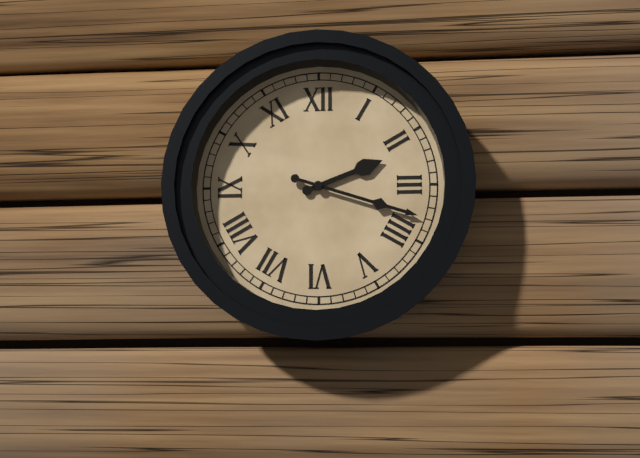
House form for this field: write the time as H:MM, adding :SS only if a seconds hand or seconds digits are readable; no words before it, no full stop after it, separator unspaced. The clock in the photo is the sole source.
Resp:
2:18
